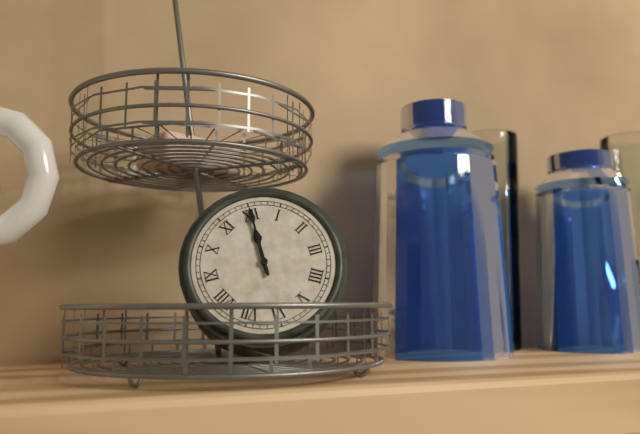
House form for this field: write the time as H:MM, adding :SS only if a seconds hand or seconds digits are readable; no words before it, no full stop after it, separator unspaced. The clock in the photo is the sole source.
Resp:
12:00
